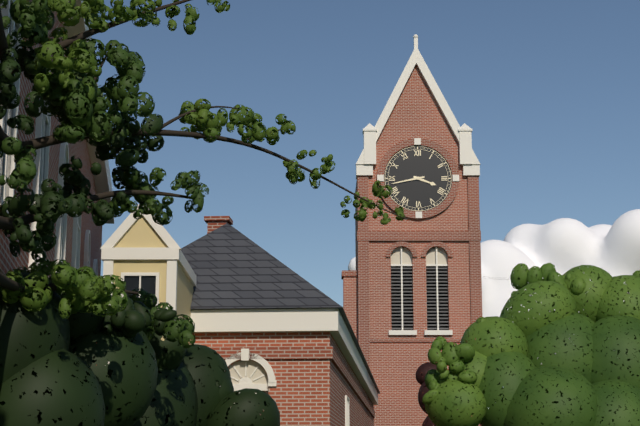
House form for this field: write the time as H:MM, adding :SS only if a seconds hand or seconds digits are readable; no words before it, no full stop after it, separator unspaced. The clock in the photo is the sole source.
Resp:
3:43
